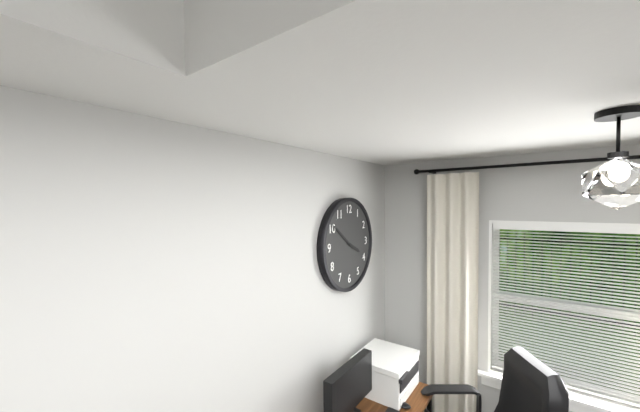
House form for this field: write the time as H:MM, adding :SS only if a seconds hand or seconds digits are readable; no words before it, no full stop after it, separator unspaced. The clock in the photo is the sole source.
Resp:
3:51
